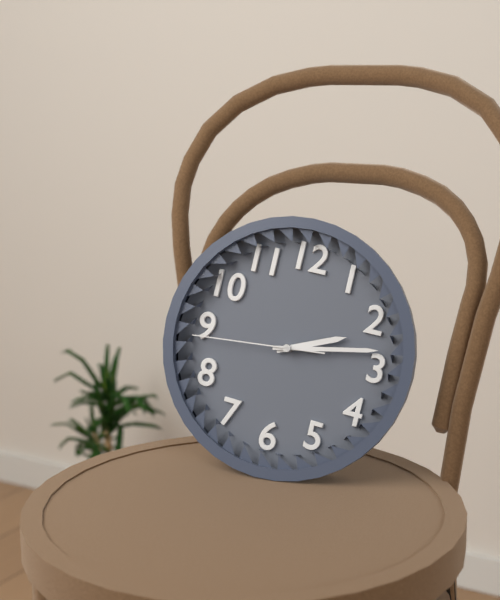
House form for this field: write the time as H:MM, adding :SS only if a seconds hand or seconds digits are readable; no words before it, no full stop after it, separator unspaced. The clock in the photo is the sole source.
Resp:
2:13:44
